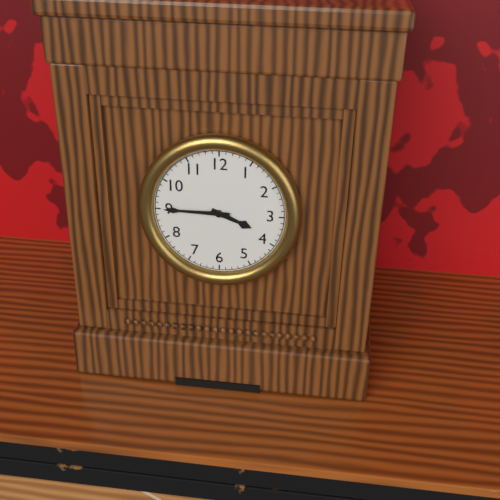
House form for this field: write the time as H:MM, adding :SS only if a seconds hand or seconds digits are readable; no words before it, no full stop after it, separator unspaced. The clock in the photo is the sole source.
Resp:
3:45
